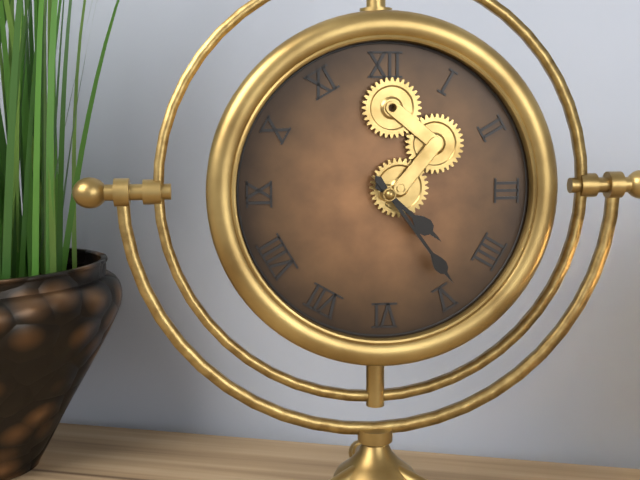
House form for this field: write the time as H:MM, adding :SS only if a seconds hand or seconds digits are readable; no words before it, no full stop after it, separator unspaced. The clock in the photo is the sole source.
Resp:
4:24
